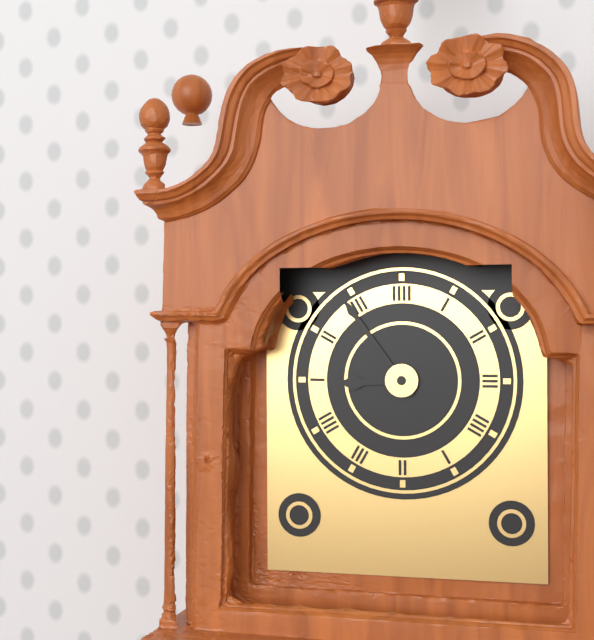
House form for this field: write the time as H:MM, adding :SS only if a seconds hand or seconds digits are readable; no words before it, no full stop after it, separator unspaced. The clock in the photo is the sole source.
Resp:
8:54
